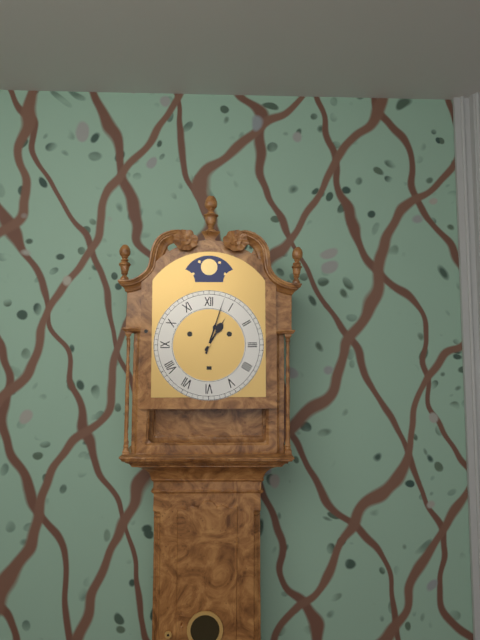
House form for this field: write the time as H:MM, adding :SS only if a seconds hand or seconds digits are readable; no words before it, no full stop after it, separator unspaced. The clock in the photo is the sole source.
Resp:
1:03
